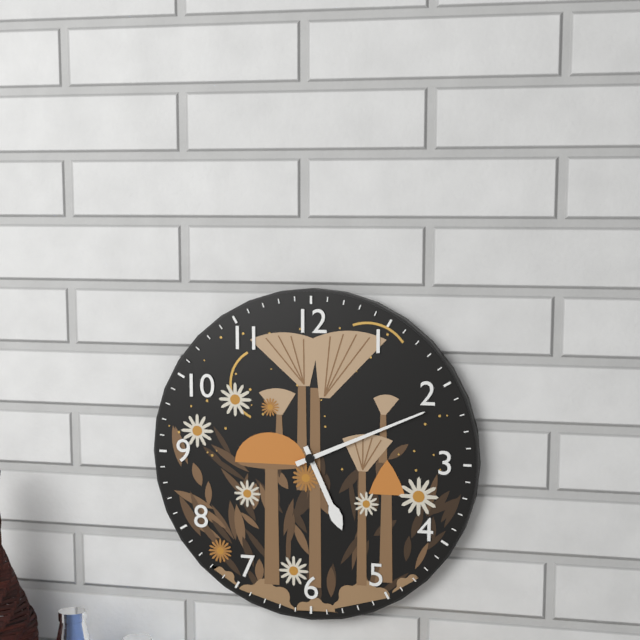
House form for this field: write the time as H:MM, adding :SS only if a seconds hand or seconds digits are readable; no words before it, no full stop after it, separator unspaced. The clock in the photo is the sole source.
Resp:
5:11
